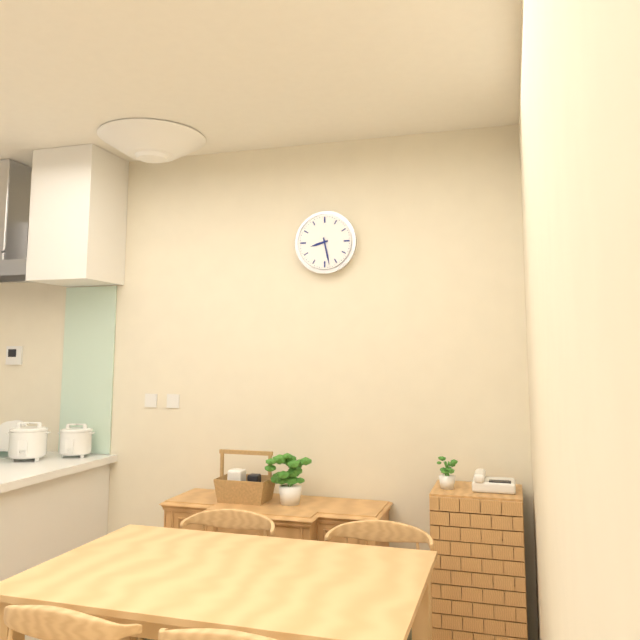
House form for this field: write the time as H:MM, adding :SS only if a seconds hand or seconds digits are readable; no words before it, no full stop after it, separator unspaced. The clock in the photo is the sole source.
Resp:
8:28
